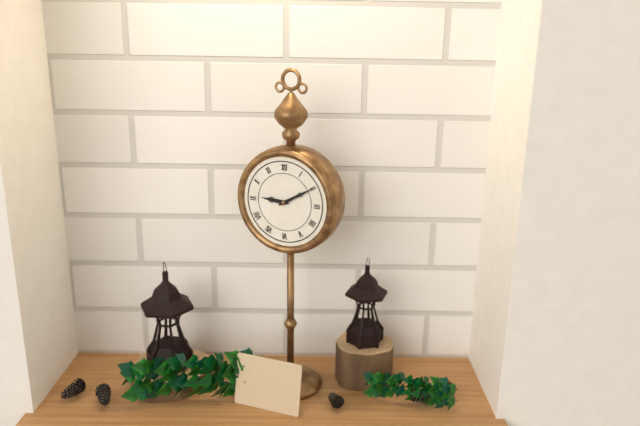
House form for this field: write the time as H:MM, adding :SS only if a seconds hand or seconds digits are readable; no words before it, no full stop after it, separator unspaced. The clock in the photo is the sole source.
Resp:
9:10
